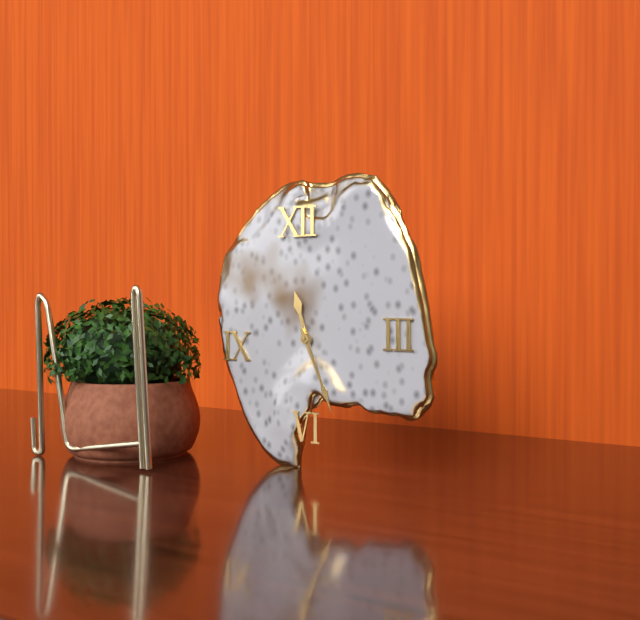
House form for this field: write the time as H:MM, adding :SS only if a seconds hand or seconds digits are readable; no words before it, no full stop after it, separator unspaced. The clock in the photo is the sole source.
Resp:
11:26
